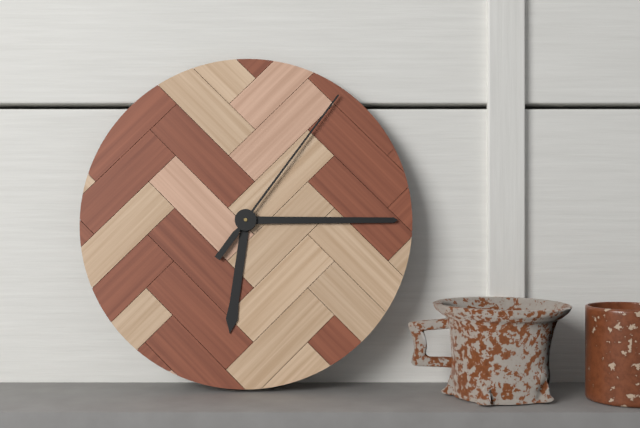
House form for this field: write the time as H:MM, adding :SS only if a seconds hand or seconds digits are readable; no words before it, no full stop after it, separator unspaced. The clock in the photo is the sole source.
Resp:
6:15:06
